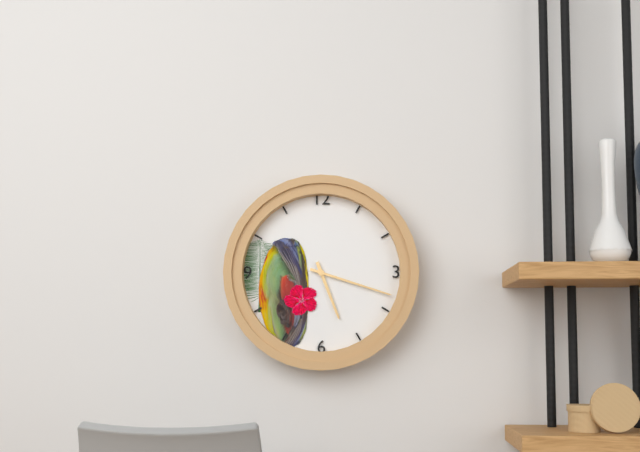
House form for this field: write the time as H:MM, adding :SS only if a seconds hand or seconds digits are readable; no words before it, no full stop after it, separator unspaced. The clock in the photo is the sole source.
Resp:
5:18
